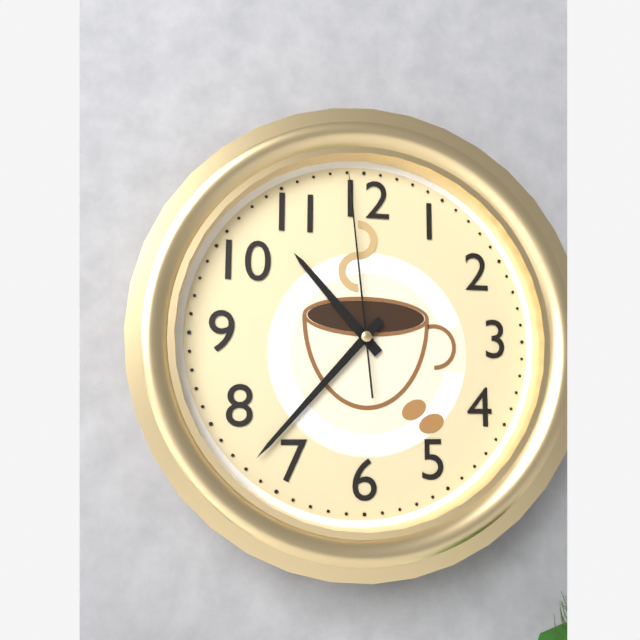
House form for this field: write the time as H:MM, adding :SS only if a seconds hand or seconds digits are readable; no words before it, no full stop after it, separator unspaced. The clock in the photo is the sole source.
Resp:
10:37:59
